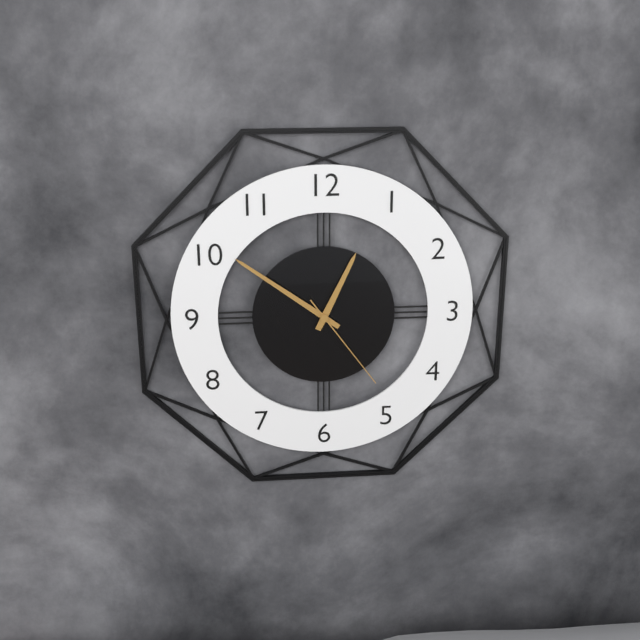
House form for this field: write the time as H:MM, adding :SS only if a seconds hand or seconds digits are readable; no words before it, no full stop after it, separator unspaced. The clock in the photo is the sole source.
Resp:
12:51:24
